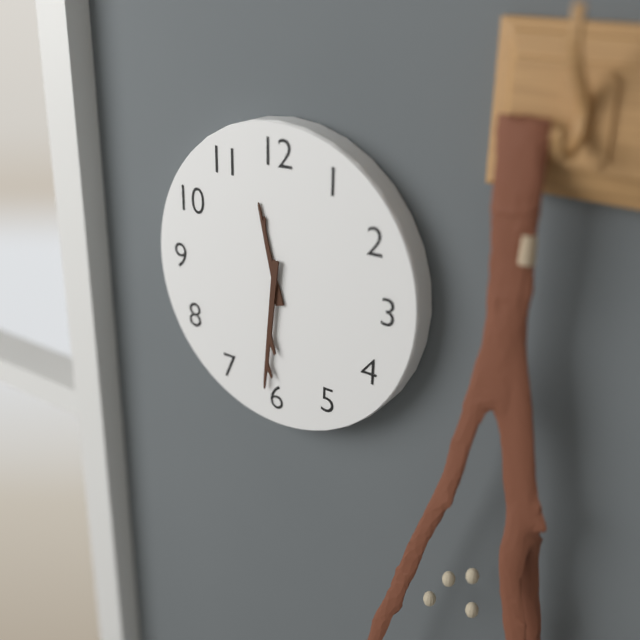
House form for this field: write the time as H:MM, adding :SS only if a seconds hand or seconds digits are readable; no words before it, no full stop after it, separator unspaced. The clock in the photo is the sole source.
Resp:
11:31
